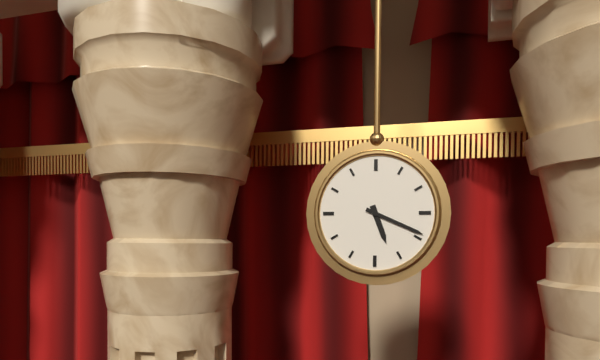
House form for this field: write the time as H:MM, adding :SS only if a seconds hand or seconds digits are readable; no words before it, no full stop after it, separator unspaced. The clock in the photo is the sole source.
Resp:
5:19
